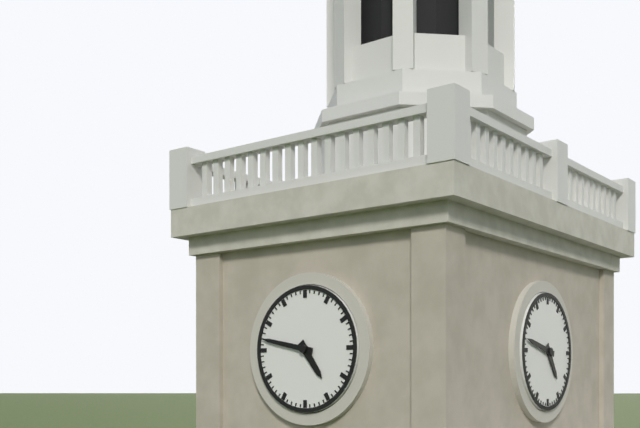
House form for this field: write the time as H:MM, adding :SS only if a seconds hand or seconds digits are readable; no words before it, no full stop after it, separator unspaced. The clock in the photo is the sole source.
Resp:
4:47
